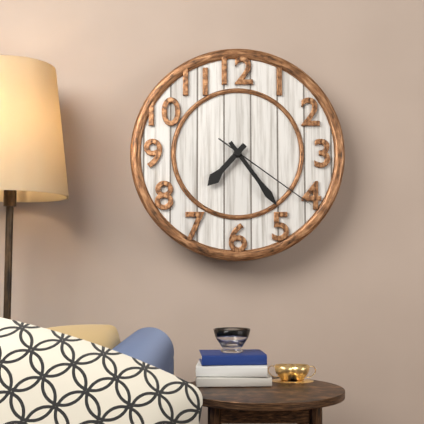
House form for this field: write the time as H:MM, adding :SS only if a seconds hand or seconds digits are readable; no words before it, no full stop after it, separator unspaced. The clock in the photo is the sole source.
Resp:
7:24:21
